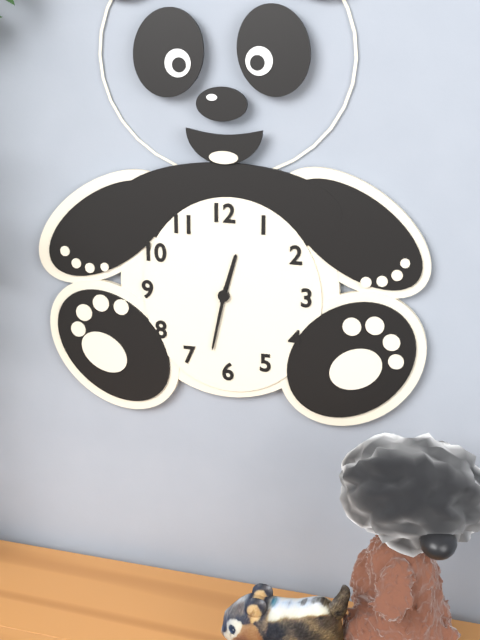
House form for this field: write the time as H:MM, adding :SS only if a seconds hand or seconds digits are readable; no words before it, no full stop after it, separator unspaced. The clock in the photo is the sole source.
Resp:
12:32
